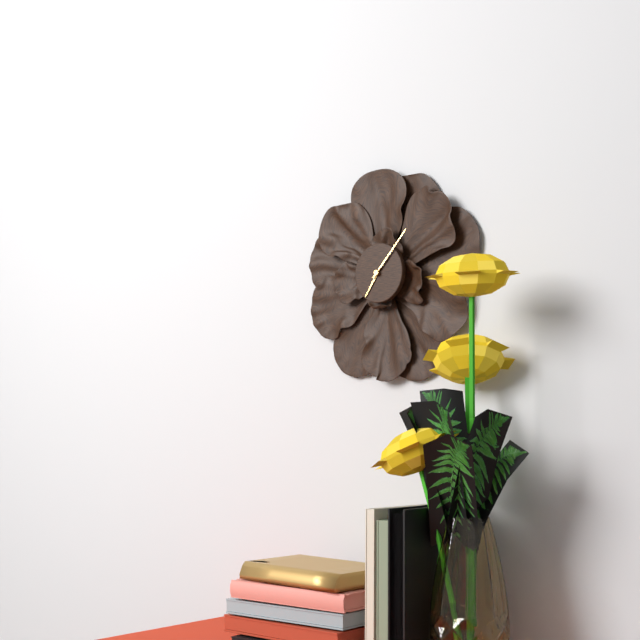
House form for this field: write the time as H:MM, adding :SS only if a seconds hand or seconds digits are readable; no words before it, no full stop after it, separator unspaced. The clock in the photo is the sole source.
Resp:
7:07
